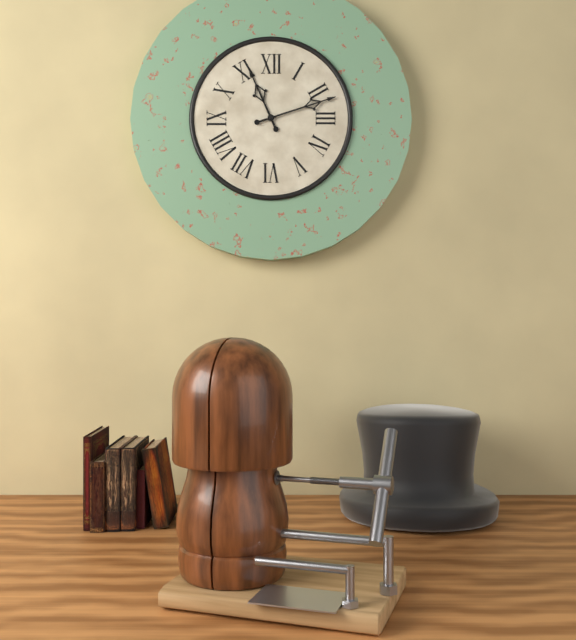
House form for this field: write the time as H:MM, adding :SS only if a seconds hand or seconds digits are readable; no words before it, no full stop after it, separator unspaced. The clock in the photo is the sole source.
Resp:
11:12
